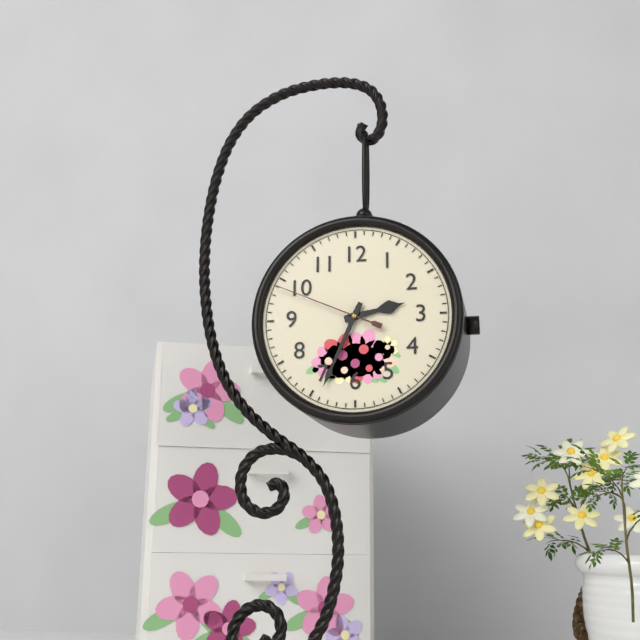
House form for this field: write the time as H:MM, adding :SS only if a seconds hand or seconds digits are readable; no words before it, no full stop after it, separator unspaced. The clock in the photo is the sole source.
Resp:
2:34:49
